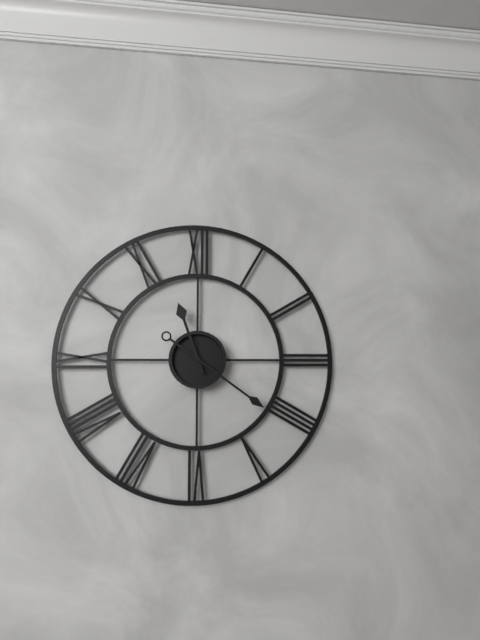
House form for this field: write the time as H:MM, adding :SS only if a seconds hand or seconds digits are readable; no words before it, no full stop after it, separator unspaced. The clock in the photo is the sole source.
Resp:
11:21
